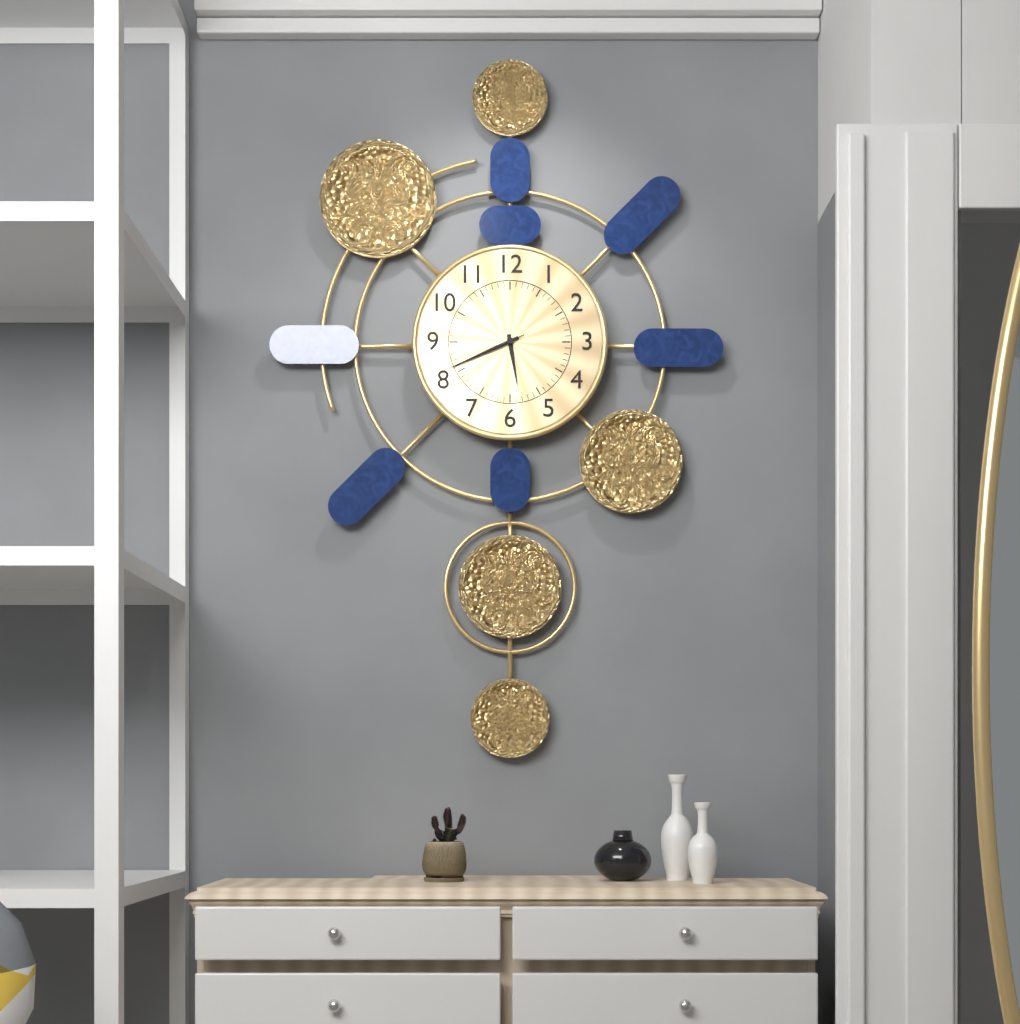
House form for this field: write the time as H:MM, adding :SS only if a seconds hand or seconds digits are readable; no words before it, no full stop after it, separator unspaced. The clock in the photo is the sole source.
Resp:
5:41:41
